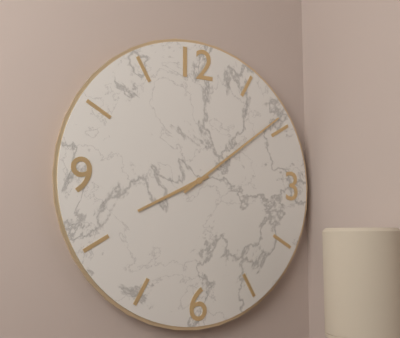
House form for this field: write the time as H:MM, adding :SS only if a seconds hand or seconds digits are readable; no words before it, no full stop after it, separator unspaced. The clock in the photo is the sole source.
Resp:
8:09
